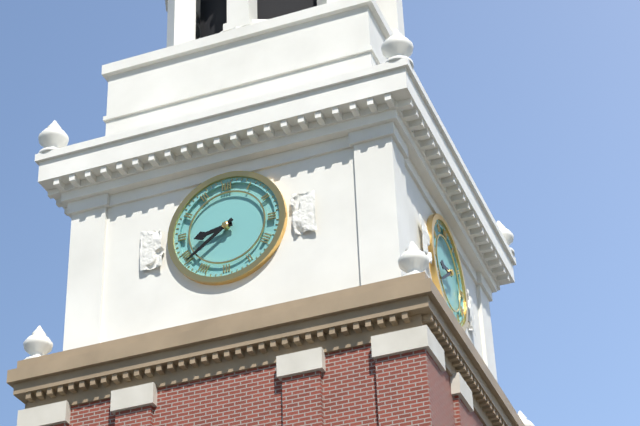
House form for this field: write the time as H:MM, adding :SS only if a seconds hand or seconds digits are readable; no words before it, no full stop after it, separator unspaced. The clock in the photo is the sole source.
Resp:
8:39
